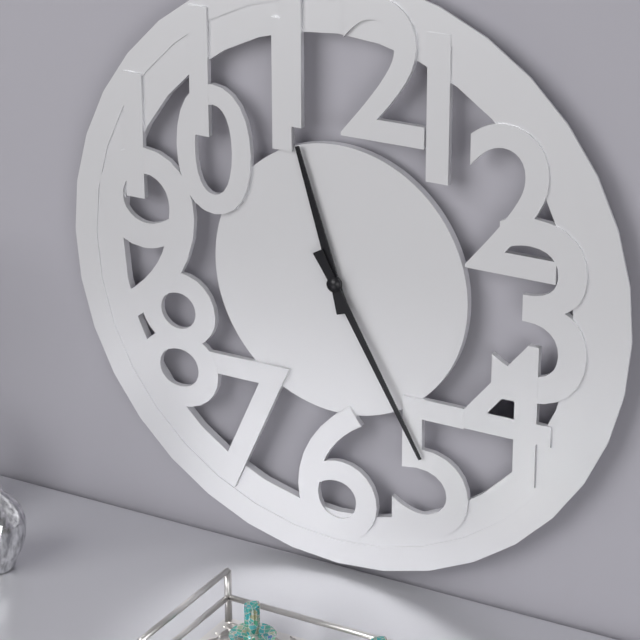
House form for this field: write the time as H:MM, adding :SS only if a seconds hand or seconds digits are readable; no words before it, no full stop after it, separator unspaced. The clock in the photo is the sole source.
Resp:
11:25
